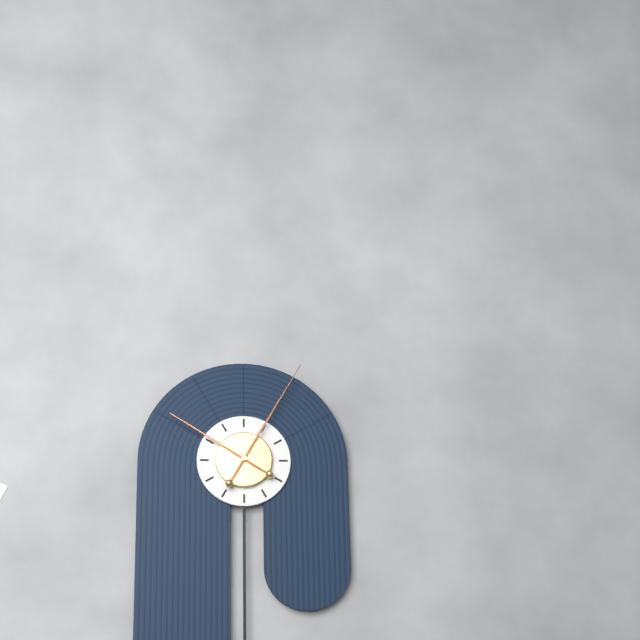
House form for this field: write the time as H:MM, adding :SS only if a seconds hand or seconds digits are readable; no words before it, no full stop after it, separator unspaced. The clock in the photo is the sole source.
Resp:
10:05
